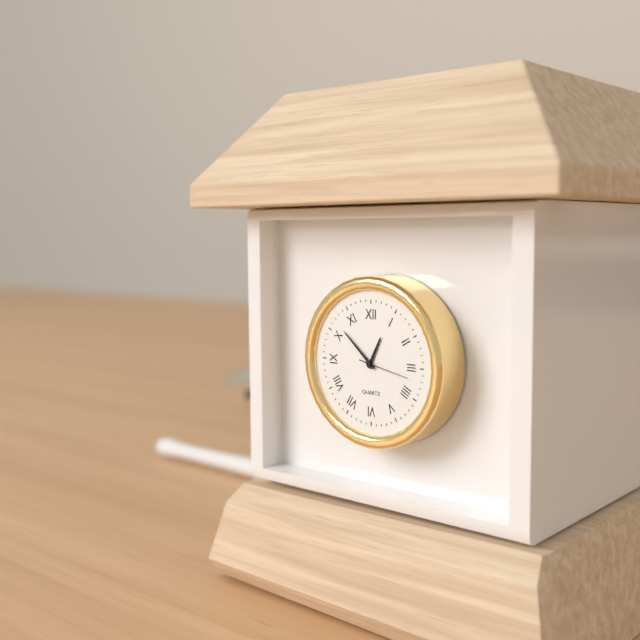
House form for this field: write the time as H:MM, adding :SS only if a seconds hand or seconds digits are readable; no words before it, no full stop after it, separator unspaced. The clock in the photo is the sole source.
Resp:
12:52:17
